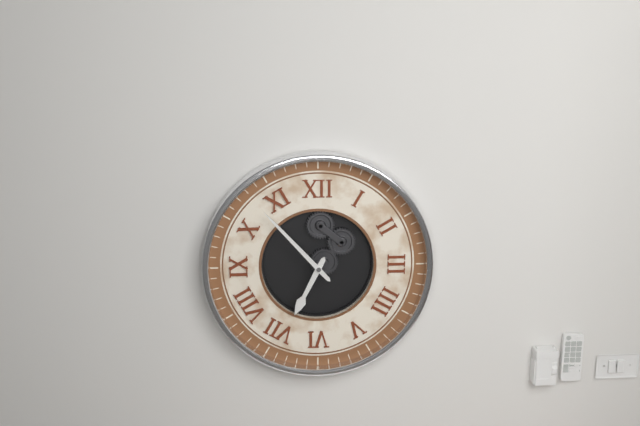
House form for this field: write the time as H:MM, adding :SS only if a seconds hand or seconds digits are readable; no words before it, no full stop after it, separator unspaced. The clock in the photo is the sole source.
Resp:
6:53
